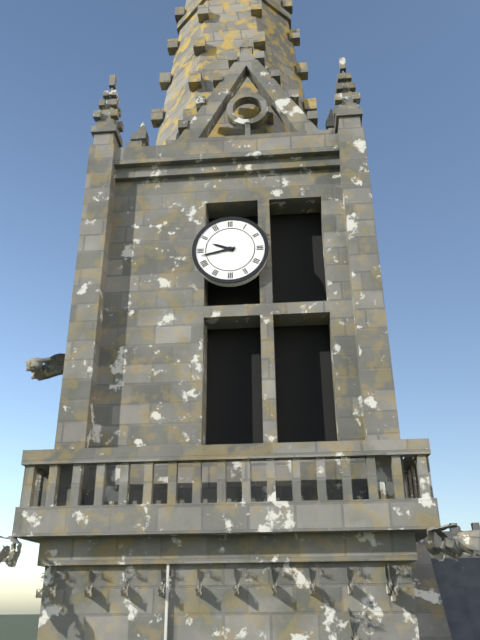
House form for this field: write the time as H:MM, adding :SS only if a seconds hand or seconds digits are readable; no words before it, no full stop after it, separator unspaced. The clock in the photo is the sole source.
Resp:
9:43
